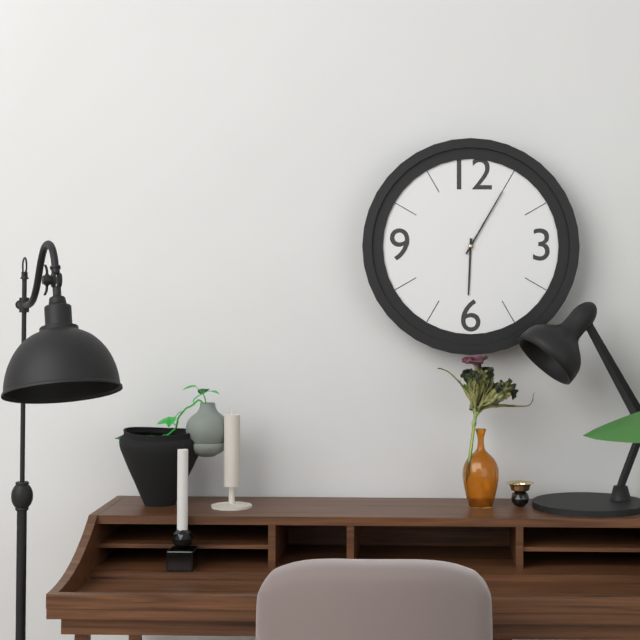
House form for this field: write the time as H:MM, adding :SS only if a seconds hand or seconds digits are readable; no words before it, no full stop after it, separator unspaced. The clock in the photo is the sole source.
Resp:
6:05
